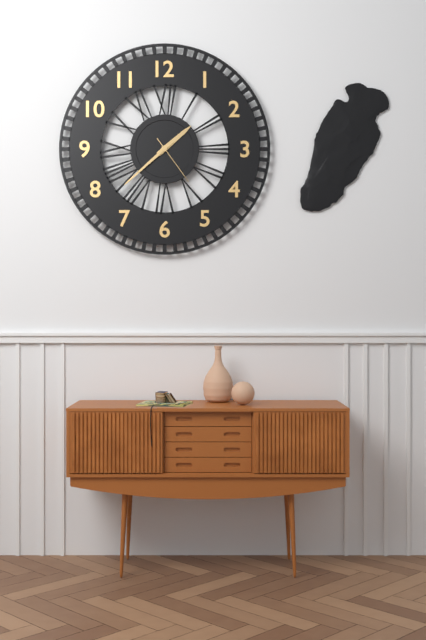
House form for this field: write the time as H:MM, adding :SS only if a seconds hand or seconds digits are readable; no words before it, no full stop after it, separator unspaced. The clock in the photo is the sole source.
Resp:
1:38:24
